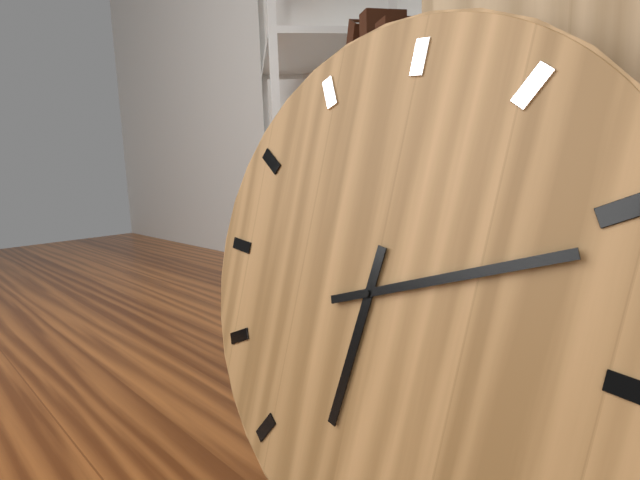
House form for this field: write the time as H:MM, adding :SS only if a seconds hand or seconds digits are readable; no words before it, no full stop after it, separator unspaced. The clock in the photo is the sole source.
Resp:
6:11
